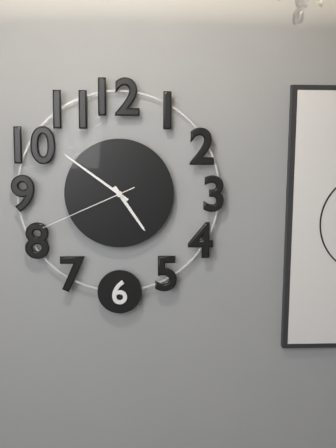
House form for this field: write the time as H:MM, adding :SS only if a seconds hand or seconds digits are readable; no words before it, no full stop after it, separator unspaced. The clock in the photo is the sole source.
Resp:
4:51:41
